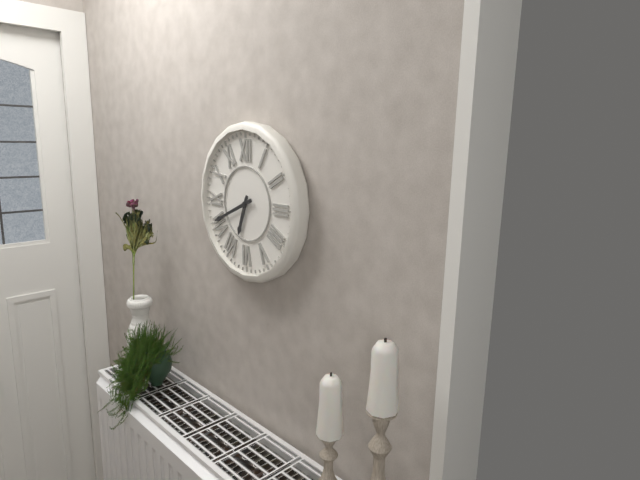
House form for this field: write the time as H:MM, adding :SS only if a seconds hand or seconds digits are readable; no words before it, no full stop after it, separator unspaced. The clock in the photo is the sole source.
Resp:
6:41
